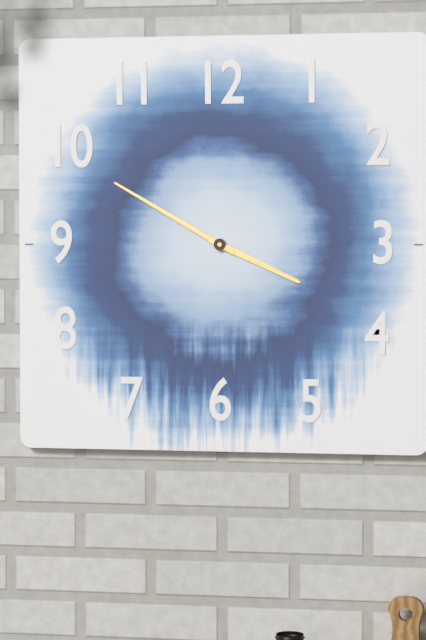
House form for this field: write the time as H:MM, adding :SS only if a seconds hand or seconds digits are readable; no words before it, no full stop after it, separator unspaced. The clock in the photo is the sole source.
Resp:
3:50
